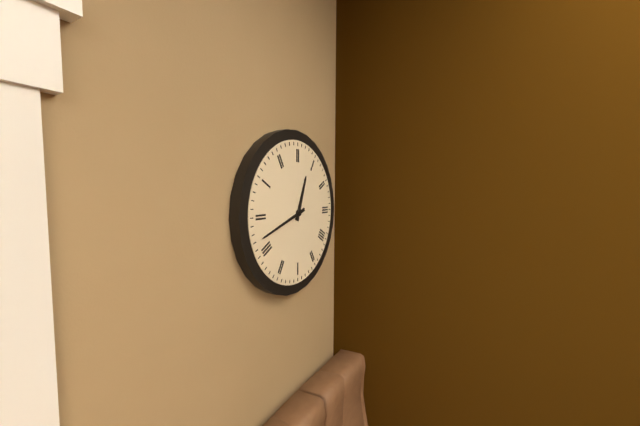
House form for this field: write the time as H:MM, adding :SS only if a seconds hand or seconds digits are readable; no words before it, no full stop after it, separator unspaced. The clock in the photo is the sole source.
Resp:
12:42
